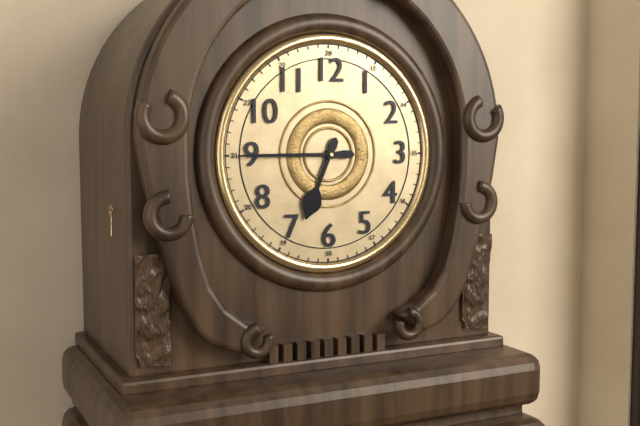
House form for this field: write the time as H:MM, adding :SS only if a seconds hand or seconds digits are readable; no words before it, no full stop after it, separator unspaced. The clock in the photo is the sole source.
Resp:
6:45
